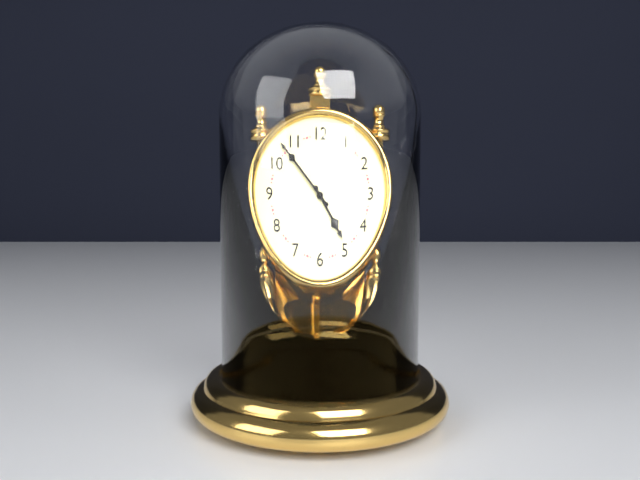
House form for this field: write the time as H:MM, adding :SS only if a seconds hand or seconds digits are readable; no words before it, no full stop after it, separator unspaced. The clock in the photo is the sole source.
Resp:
4:53
